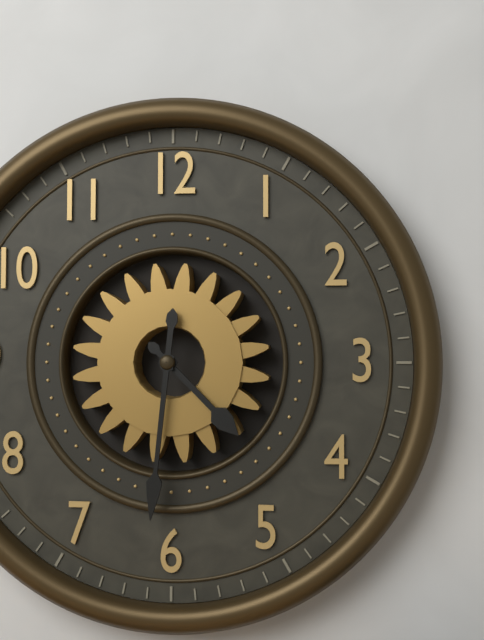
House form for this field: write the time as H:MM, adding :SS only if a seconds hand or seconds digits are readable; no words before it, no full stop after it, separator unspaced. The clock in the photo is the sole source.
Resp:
4:31
